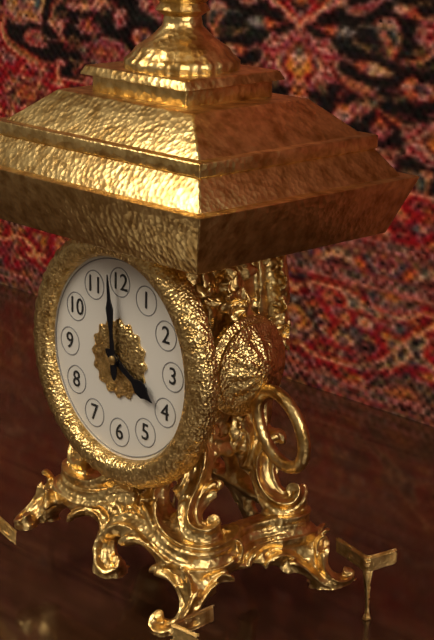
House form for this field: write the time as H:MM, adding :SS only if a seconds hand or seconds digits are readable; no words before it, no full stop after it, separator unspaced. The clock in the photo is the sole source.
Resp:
3:59
